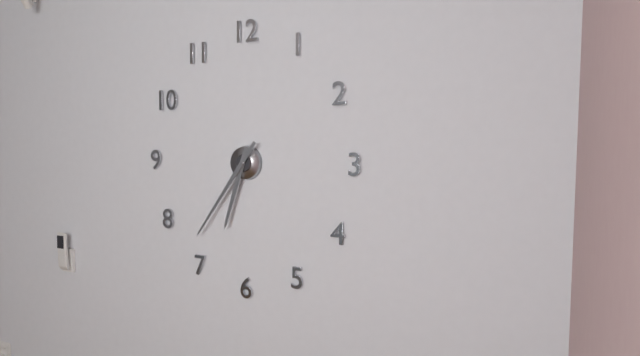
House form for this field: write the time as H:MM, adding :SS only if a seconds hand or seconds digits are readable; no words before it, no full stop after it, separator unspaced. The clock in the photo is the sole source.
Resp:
6:36
